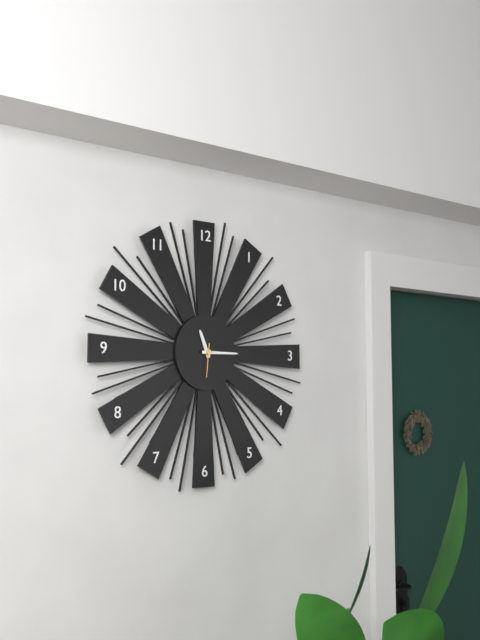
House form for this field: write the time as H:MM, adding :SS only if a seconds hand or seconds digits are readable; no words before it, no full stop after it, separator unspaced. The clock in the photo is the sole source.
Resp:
11:15
